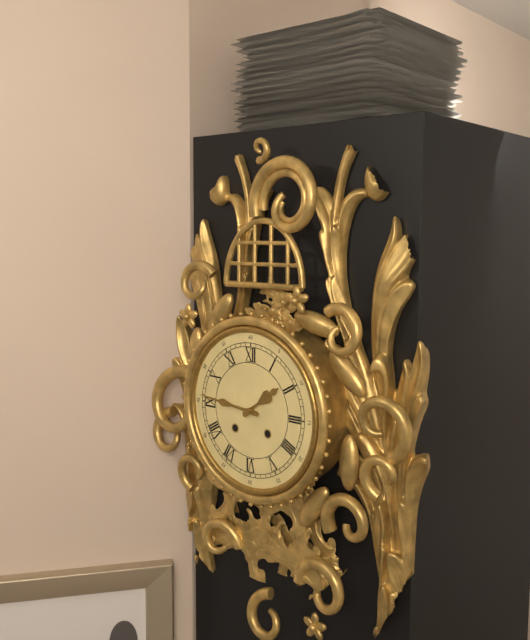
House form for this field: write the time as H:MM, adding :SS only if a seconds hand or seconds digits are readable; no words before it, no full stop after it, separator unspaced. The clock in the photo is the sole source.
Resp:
1:46
